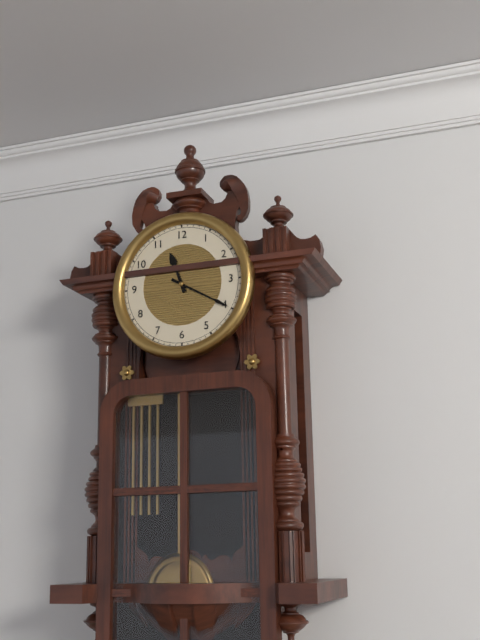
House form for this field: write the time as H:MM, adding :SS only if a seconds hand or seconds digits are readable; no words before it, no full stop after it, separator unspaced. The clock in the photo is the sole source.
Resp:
11:20
